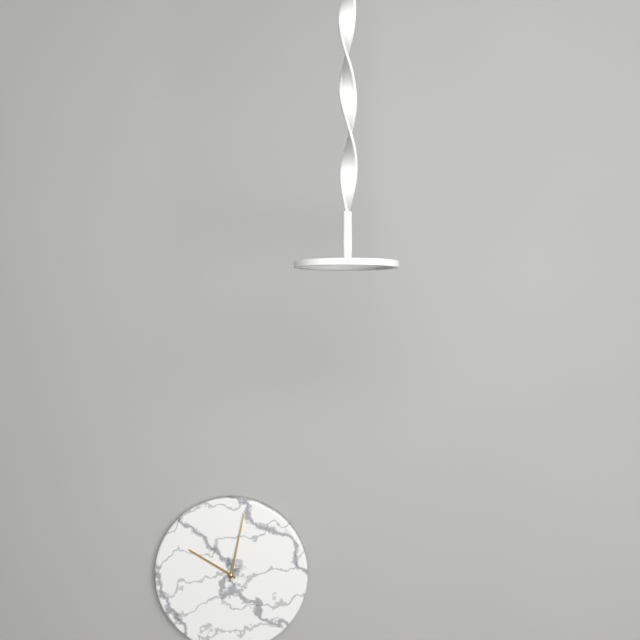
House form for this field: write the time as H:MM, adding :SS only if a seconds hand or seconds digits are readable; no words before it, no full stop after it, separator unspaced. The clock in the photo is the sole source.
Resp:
10:02
